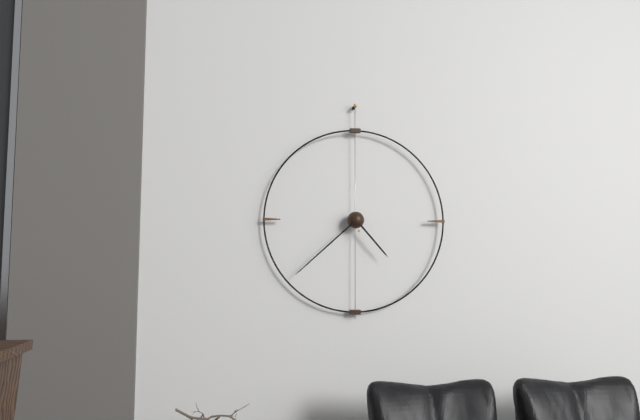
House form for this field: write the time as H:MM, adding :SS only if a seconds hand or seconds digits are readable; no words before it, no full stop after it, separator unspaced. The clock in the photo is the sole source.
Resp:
4:38
